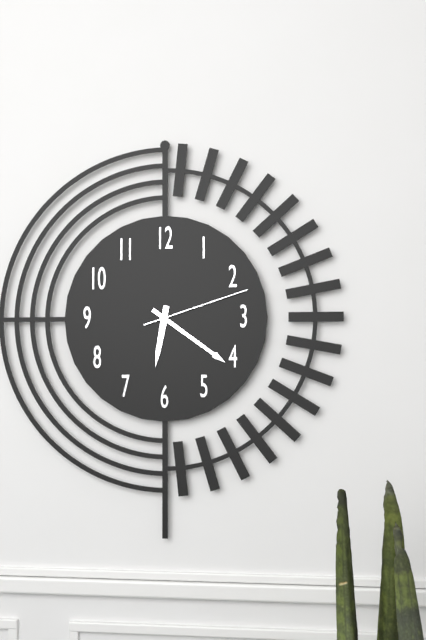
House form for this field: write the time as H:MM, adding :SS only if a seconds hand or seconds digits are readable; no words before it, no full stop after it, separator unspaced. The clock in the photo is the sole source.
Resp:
6:21:12
